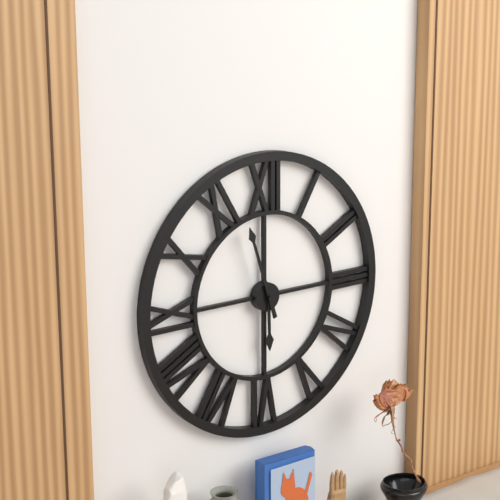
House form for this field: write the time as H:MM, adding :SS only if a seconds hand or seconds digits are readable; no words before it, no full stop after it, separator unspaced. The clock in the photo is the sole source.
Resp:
5:57
